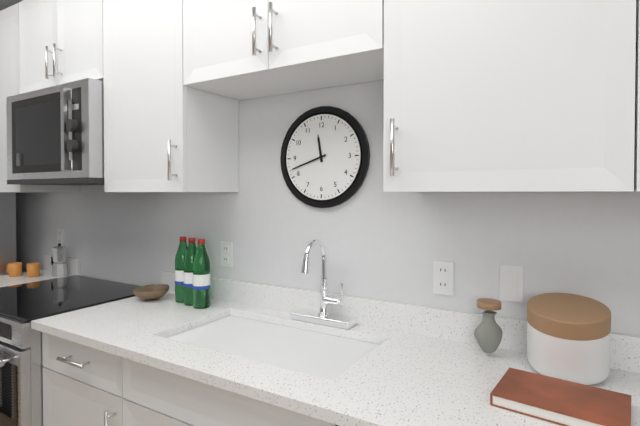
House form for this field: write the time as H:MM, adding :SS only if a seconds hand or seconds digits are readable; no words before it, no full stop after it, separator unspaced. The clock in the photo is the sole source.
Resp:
11:42
